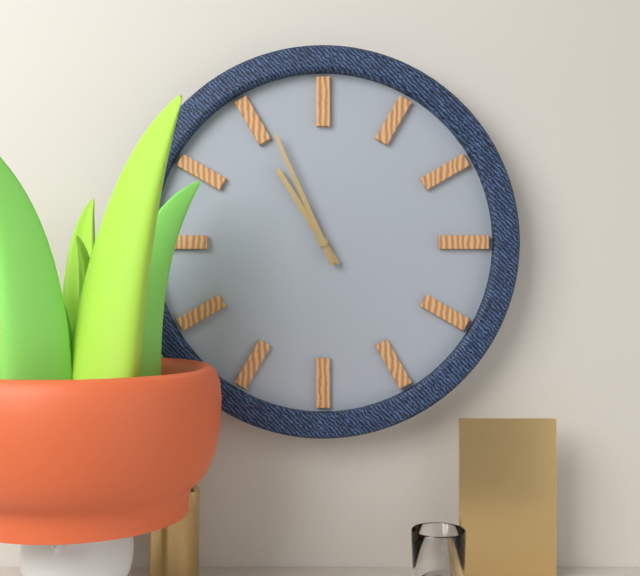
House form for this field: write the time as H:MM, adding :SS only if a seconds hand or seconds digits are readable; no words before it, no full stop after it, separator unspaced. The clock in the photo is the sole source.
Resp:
10:56
